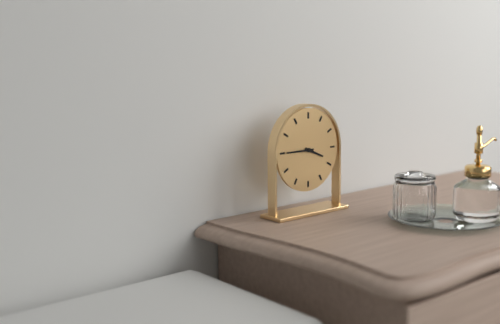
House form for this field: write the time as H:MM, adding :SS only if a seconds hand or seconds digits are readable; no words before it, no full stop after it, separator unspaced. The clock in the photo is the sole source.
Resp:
3:45
